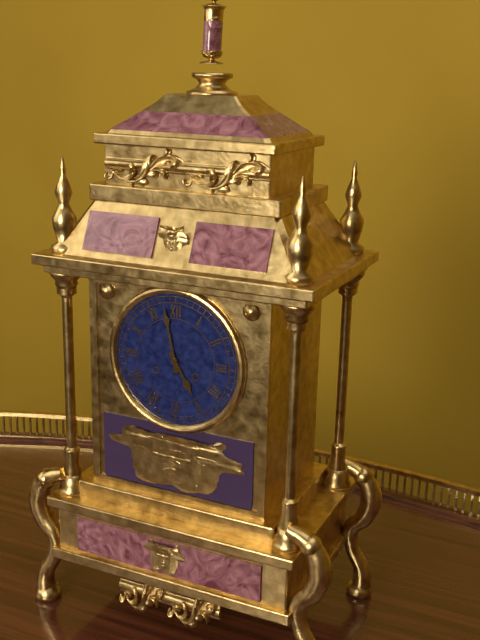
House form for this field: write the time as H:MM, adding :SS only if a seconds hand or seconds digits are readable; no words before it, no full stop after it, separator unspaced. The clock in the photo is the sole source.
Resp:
4:58
